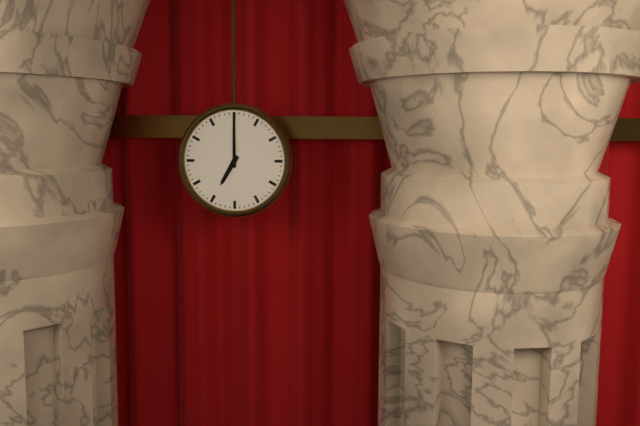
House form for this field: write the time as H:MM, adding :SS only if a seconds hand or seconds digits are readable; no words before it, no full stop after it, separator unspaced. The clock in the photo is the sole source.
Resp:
7:00
